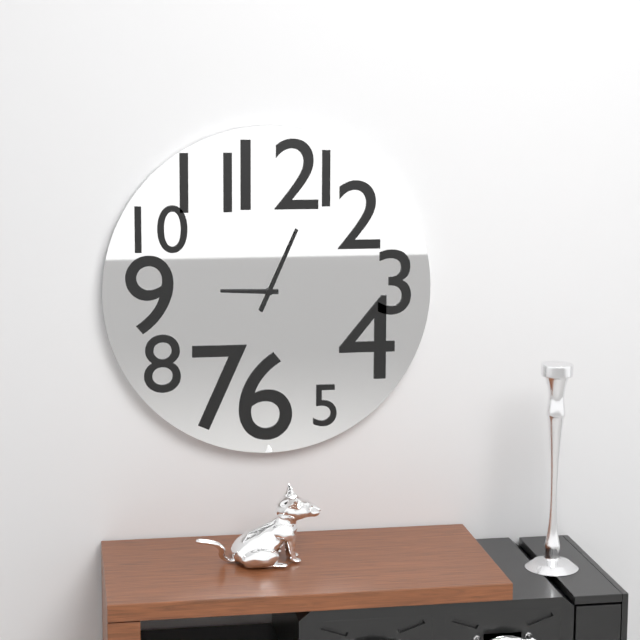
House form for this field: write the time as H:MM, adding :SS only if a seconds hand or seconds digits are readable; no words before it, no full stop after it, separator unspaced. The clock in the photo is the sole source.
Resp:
9:04
